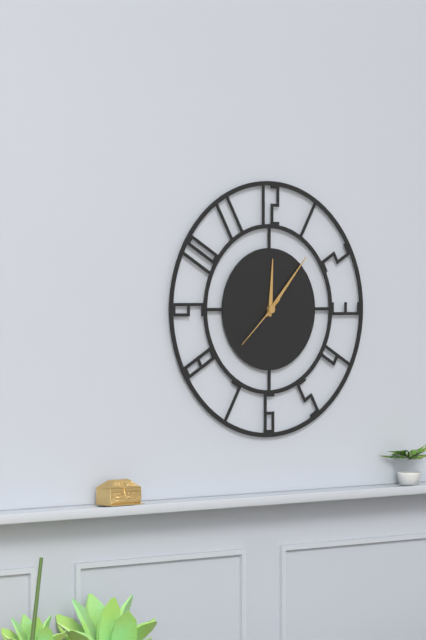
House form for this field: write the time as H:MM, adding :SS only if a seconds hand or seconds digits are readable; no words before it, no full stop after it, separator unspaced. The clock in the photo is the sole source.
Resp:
12:07:38
